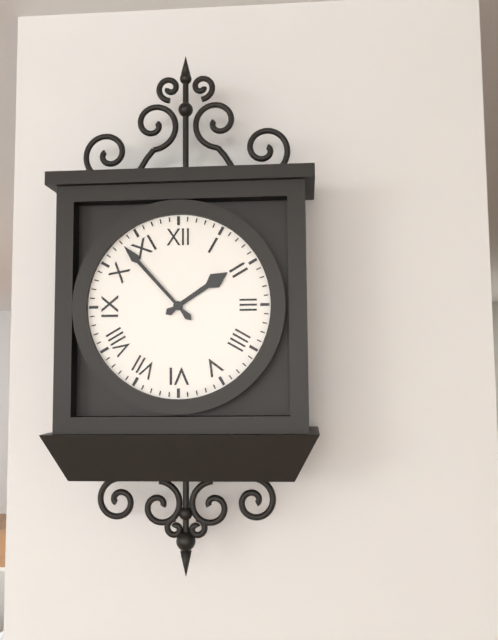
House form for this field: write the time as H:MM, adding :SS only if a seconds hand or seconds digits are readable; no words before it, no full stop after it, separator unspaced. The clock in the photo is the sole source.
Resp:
1:53
